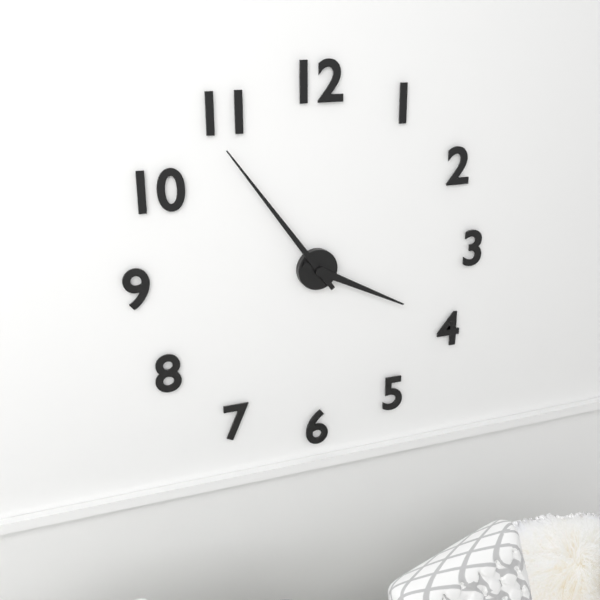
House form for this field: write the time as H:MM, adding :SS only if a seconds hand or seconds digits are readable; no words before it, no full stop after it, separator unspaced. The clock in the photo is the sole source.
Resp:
3:54
